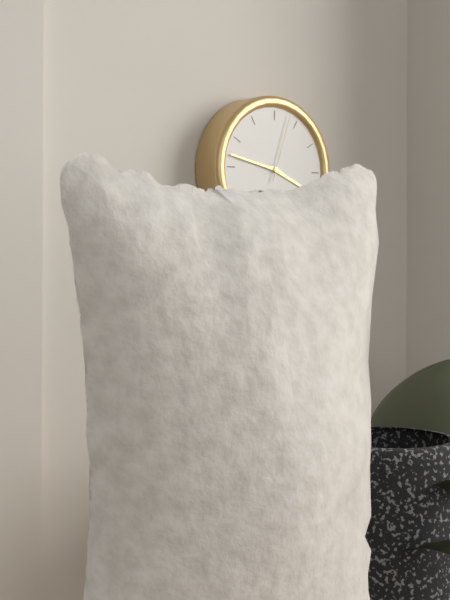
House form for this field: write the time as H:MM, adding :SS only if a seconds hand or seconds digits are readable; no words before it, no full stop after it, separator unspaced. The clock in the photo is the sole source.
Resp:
3:47:03
